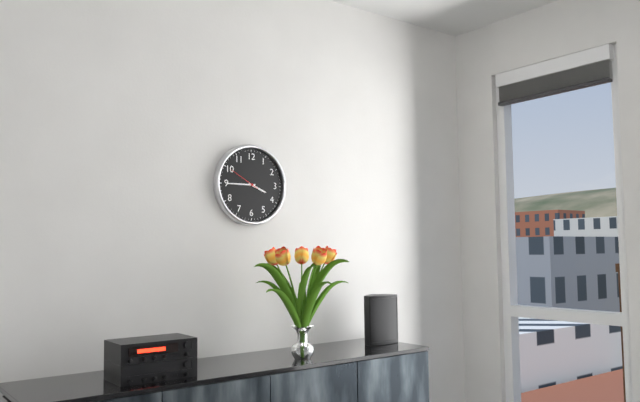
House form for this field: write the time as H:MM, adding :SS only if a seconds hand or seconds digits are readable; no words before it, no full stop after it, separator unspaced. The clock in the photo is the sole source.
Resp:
3:45
